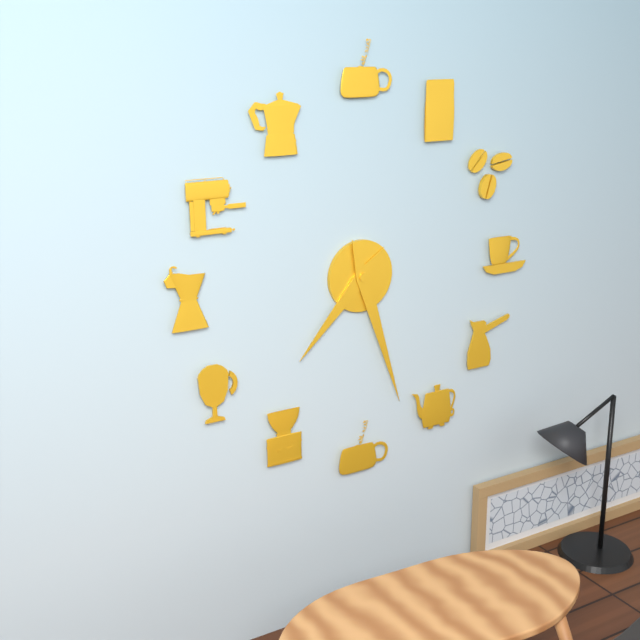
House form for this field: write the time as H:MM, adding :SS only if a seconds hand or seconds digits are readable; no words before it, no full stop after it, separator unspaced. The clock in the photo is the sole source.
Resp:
7:27
